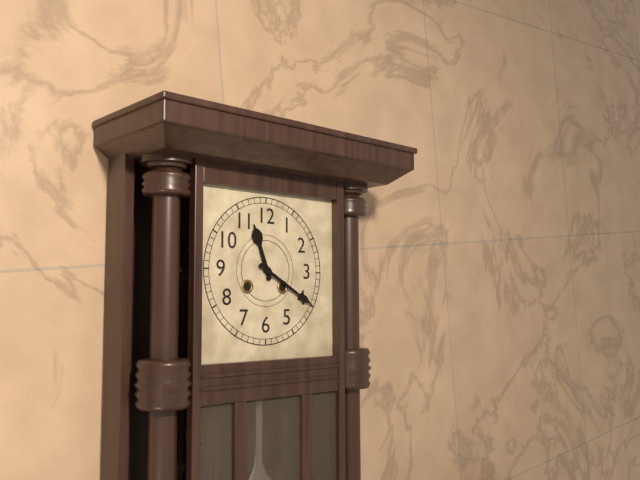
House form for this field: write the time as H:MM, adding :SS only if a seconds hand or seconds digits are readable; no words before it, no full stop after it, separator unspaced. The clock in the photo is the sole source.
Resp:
11:20
